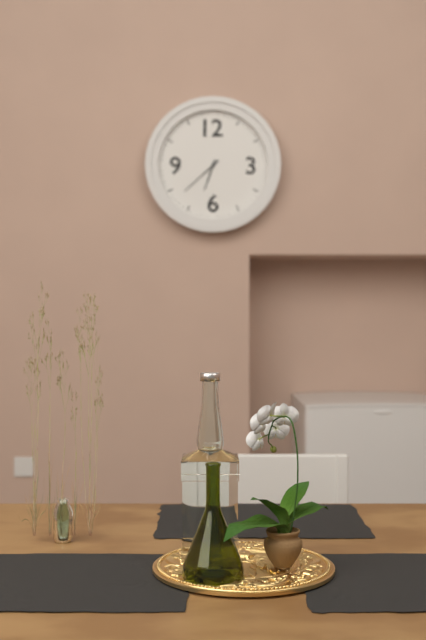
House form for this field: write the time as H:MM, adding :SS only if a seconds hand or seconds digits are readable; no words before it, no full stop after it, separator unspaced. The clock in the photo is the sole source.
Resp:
6:38
